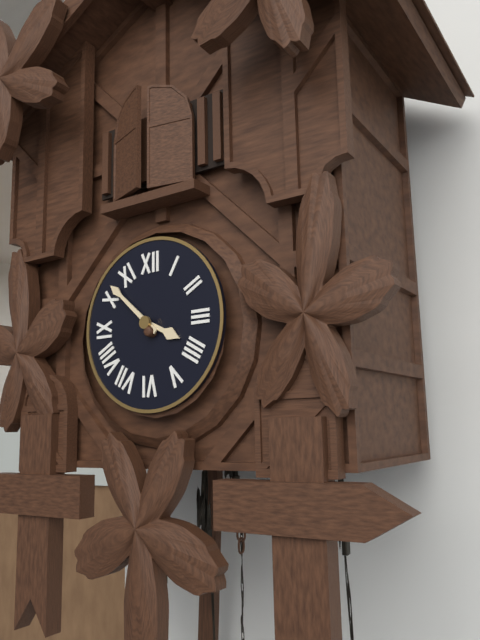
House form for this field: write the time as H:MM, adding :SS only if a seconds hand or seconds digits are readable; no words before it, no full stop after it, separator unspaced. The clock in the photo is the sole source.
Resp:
3:52
